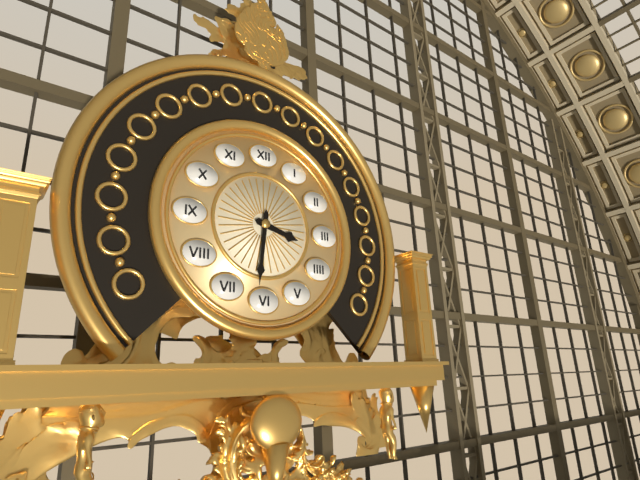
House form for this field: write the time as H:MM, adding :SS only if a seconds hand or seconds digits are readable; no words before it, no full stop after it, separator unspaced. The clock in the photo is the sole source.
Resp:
3:31
